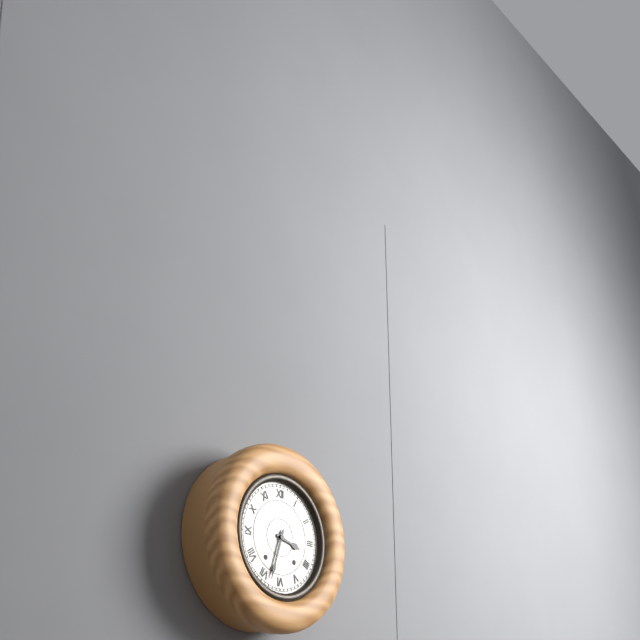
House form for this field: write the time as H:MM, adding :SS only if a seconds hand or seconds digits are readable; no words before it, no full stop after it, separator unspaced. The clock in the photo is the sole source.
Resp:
3:33
